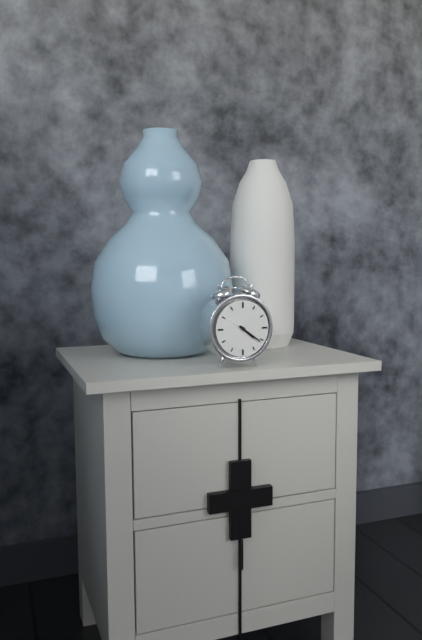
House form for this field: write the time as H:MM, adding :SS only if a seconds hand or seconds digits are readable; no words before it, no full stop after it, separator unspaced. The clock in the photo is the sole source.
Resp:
4:21
